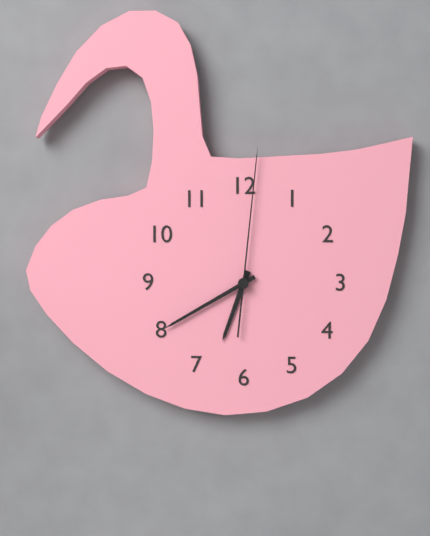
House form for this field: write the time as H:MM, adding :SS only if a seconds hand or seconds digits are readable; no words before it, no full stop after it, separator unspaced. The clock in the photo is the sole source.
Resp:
6:40:01
